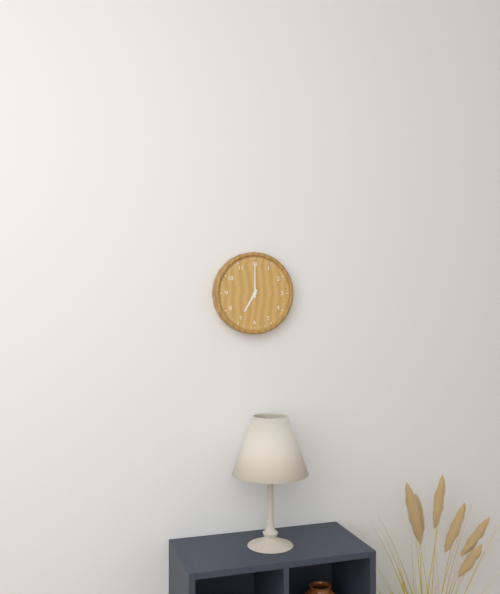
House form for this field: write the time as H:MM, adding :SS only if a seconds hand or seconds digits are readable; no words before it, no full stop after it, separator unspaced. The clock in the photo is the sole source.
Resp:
7:00
